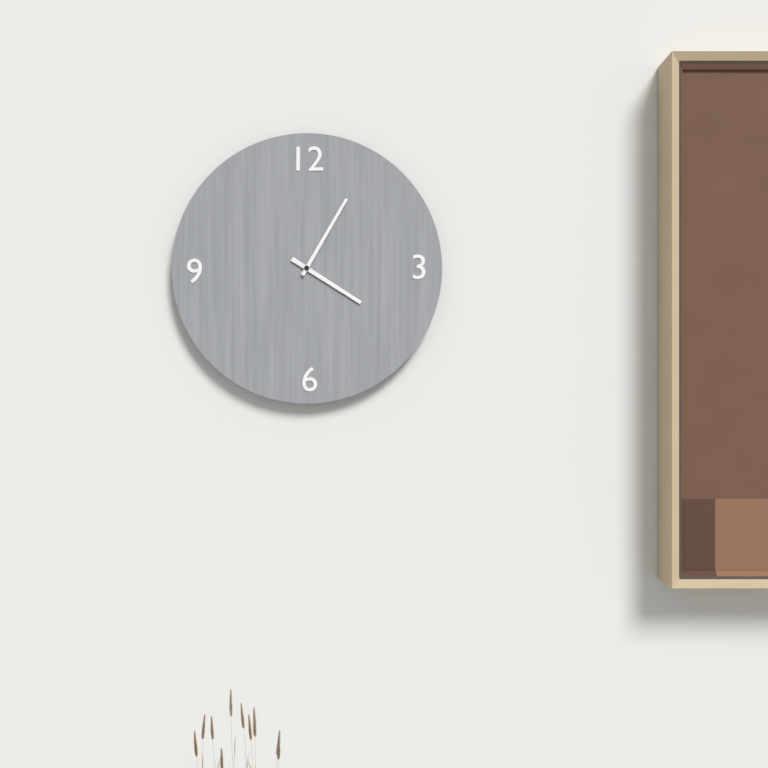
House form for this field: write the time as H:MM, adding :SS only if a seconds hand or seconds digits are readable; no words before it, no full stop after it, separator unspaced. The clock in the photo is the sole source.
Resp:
4:05
